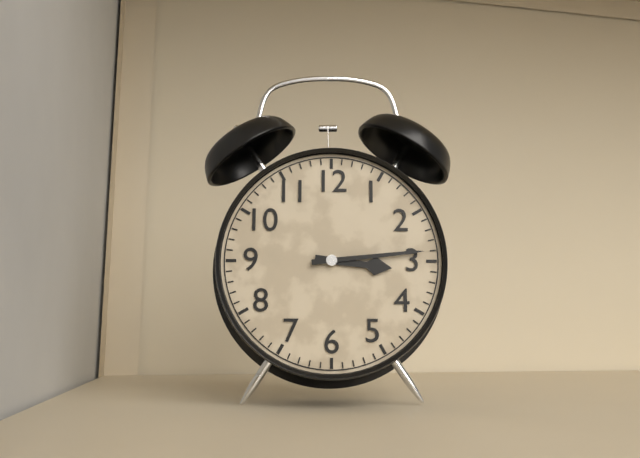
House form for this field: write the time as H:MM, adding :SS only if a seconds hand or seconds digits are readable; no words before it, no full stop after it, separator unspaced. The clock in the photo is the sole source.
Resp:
3:14
